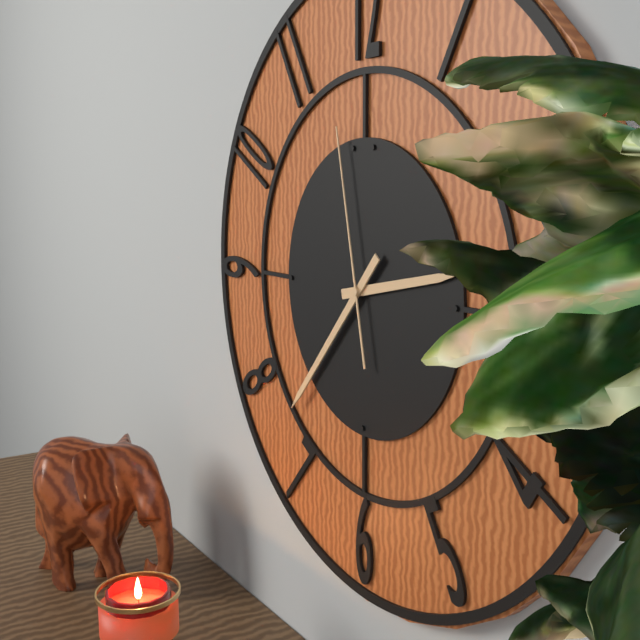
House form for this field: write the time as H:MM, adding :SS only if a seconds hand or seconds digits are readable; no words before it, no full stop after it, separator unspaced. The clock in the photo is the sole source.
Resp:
2:37:58
